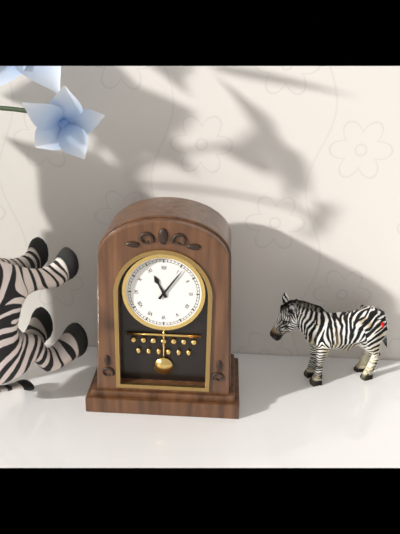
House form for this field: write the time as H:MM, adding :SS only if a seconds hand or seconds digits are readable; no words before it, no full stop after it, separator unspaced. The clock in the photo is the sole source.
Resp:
11:06
